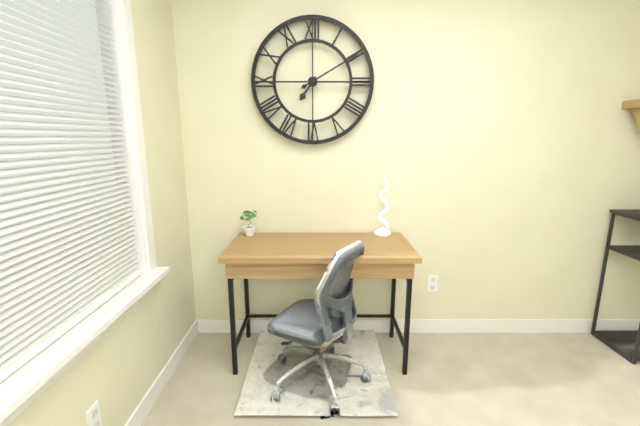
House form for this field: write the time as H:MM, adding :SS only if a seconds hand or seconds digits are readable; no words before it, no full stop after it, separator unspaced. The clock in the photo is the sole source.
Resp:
7:10
